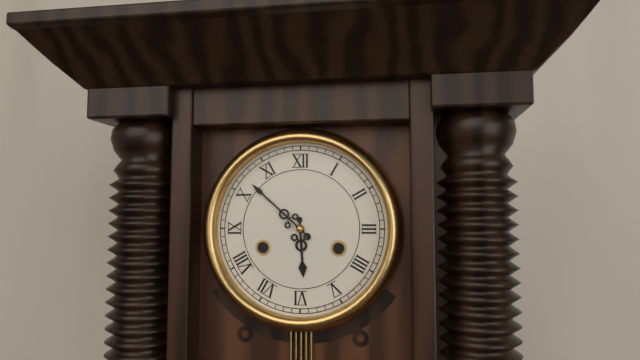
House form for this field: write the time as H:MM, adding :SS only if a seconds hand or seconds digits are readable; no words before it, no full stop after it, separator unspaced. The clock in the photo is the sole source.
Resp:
5:52
